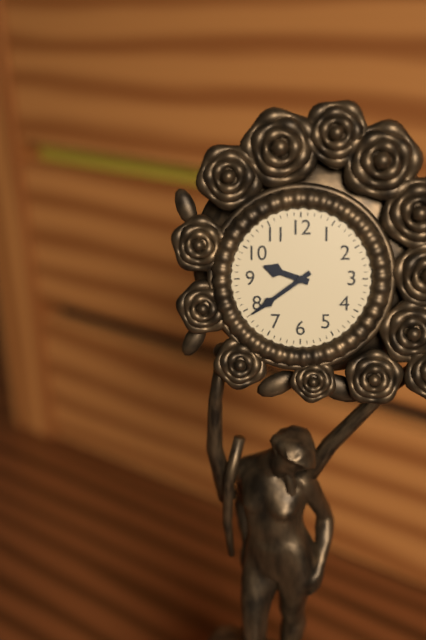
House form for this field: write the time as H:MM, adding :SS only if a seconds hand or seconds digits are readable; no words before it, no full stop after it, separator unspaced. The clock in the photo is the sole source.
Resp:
9:39
